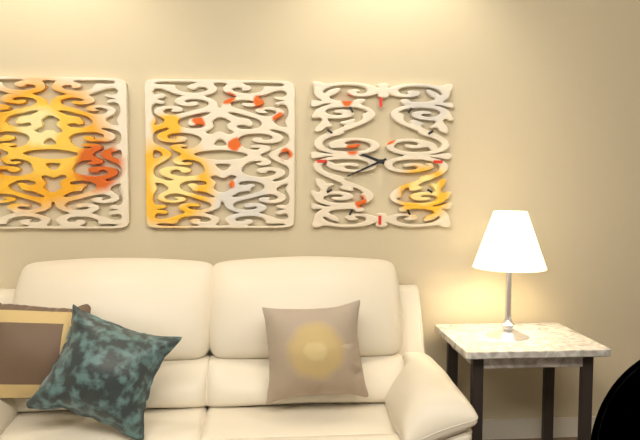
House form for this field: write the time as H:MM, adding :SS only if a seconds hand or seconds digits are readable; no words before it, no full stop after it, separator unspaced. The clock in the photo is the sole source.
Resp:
9:41
